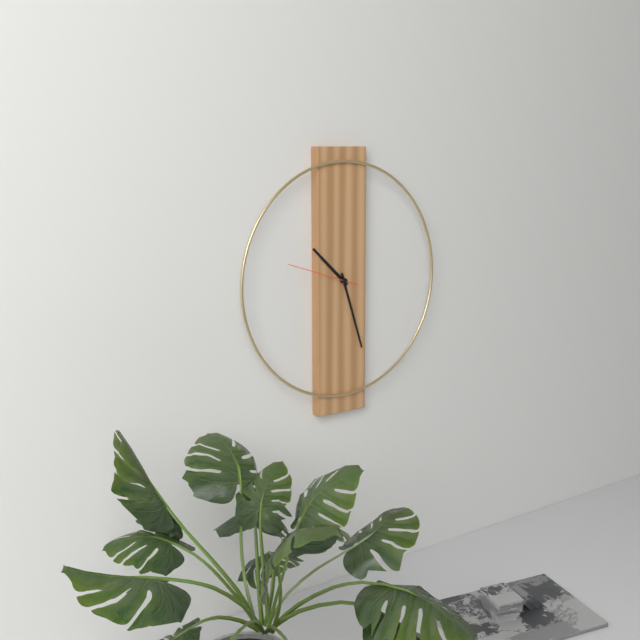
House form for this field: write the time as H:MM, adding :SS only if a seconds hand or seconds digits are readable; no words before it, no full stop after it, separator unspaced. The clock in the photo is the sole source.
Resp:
10:27:48
